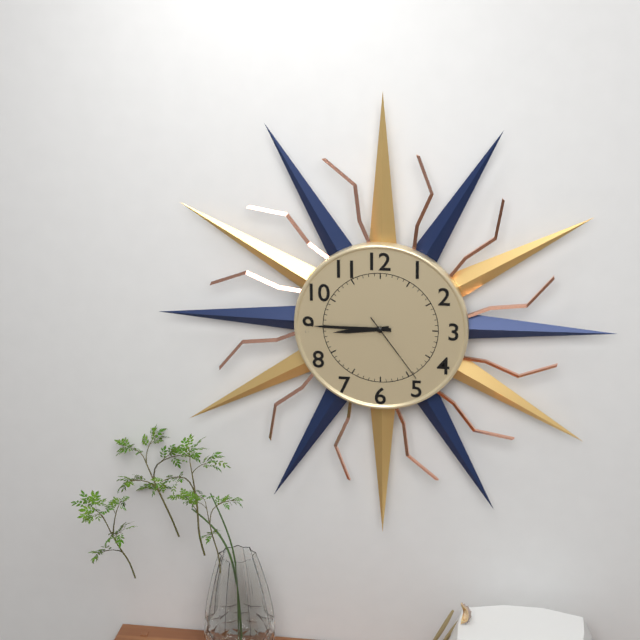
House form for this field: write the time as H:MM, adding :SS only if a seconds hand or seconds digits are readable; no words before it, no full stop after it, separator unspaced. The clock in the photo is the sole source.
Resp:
8:45:24
